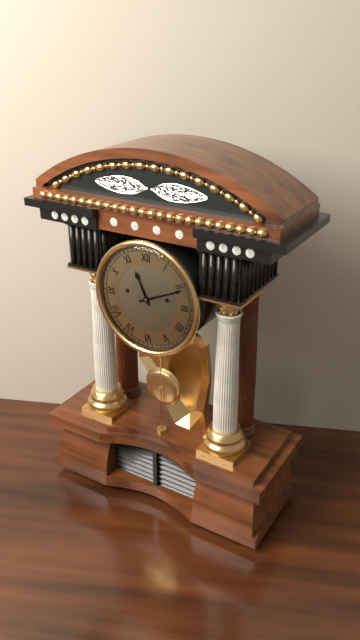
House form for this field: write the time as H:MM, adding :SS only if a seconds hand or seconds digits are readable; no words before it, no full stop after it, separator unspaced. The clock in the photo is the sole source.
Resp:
11:11
